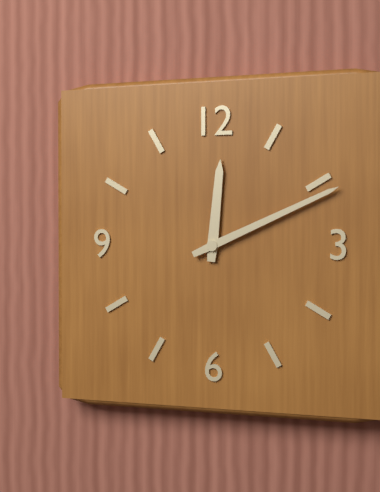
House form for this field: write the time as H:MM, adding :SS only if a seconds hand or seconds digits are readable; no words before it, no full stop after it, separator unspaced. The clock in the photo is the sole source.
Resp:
12:11
